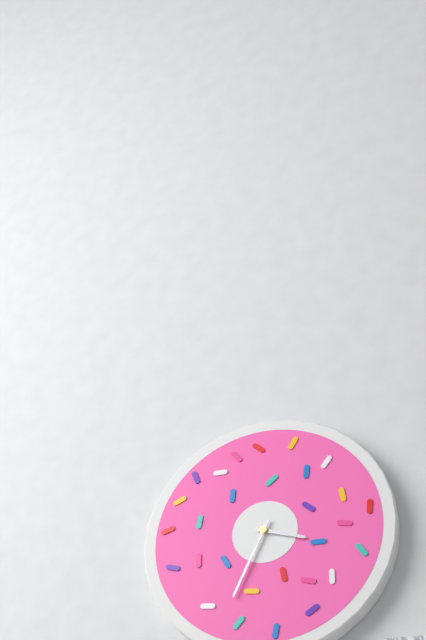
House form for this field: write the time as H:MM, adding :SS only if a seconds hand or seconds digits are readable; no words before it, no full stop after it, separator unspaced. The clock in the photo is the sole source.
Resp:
3:34
